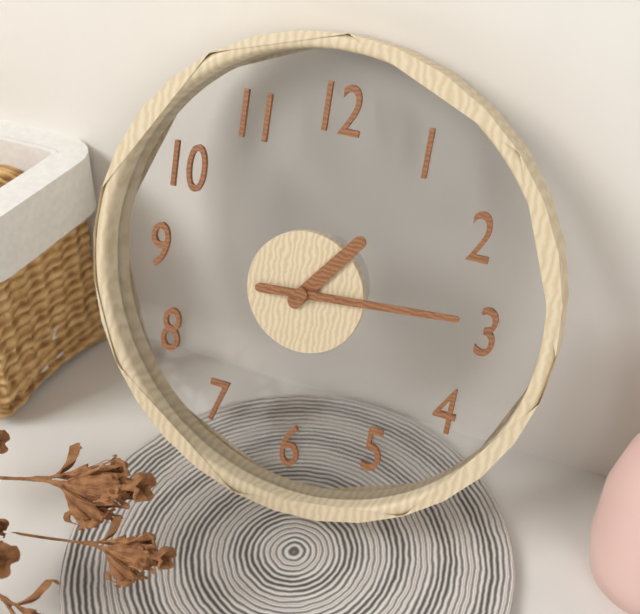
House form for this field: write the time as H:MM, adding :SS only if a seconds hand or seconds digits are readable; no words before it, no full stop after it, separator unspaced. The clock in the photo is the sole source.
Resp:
1:14
